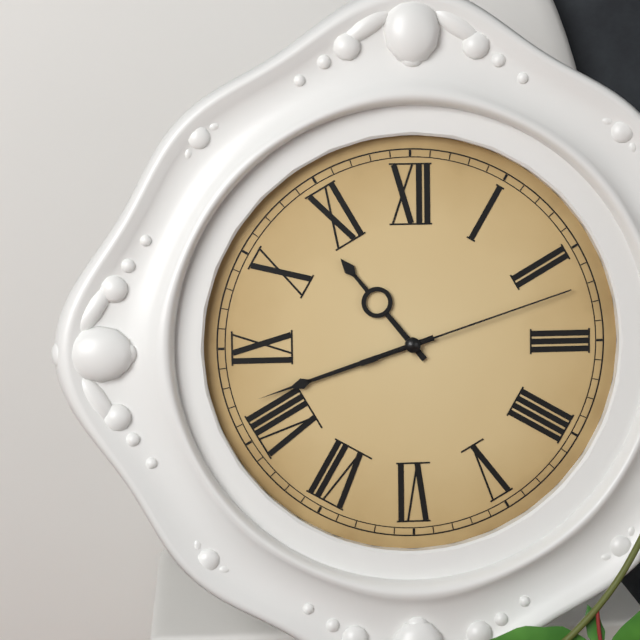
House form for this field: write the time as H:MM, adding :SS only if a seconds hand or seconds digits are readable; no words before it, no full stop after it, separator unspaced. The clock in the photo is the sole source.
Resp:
10:42:12
